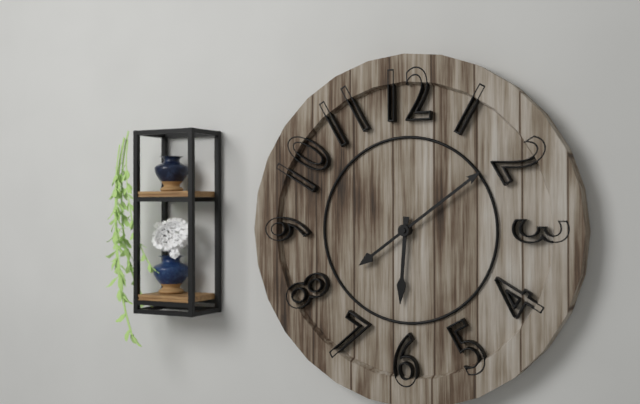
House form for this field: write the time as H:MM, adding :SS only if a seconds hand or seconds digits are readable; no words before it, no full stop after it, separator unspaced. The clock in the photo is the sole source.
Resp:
6:09
